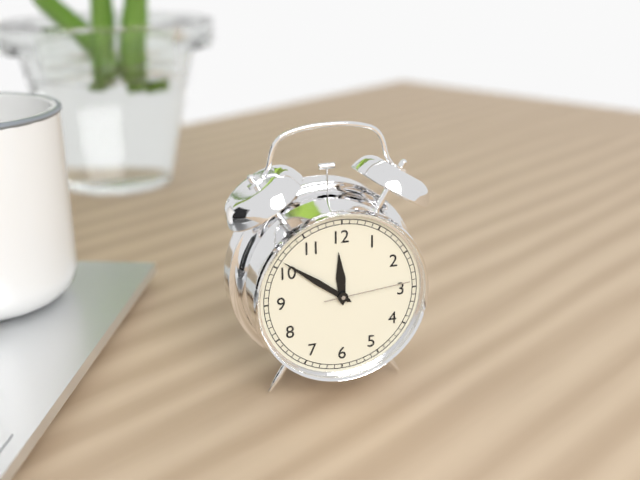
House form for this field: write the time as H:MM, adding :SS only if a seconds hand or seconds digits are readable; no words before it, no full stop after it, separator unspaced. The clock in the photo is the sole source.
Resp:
11:51:14
